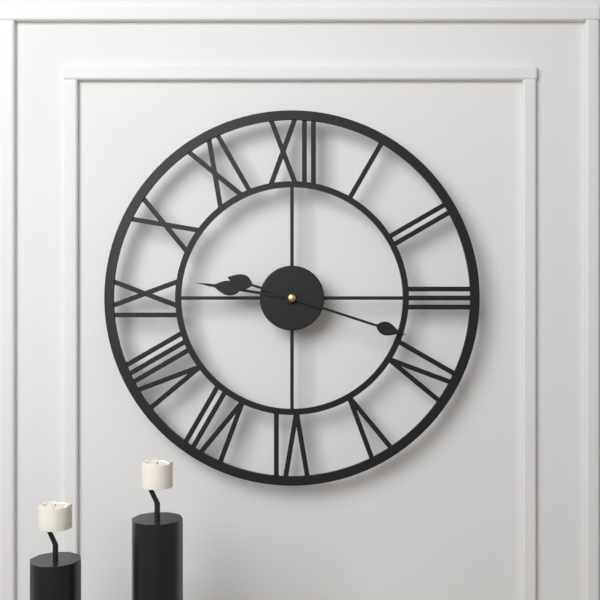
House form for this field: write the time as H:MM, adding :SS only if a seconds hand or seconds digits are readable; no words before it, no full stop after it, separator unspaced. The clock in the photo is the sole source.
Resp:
9:18
